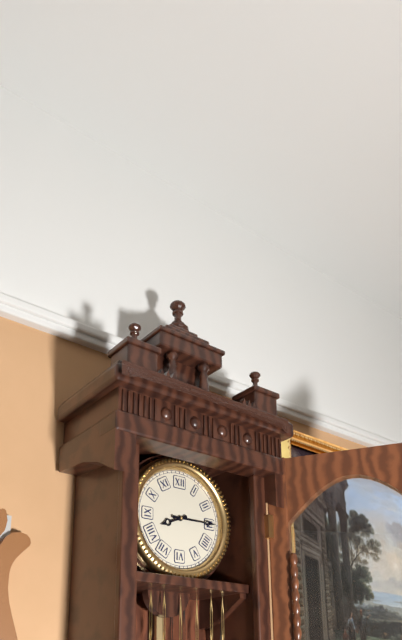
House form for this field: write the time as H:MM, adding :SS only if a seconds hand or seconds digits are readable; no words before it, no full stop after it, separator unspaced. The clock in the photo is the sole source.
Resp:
8:15
